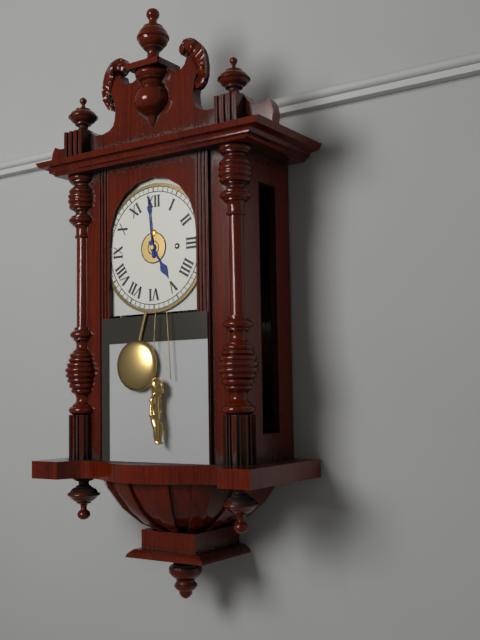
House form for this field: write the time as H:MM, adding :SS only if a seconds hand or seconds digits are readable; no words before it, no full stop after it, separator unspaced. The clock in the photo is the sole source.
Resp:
4:59
